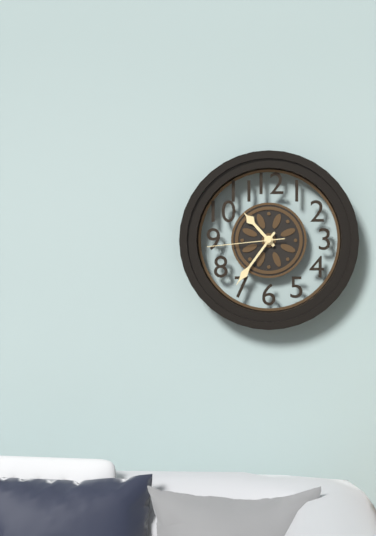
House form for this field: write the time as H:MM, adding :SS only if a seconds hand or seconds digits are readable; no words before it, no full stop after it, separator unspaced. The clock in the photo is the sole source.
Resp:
10:36:44
